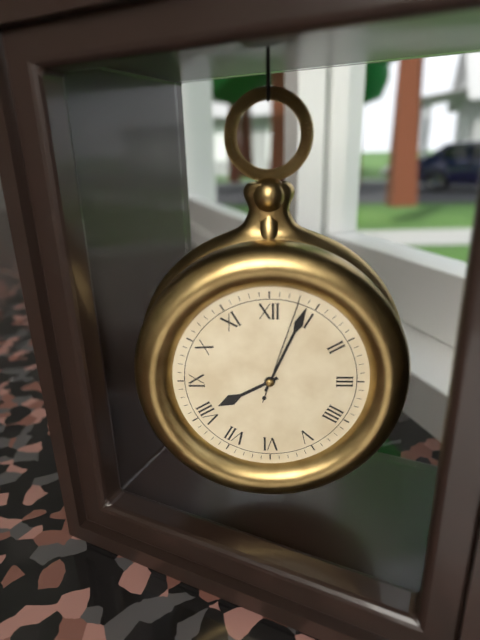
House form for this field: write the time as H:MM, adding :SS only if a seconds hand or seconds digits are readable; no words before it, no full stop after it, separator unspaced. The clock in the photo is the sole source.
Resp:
8:04:03
